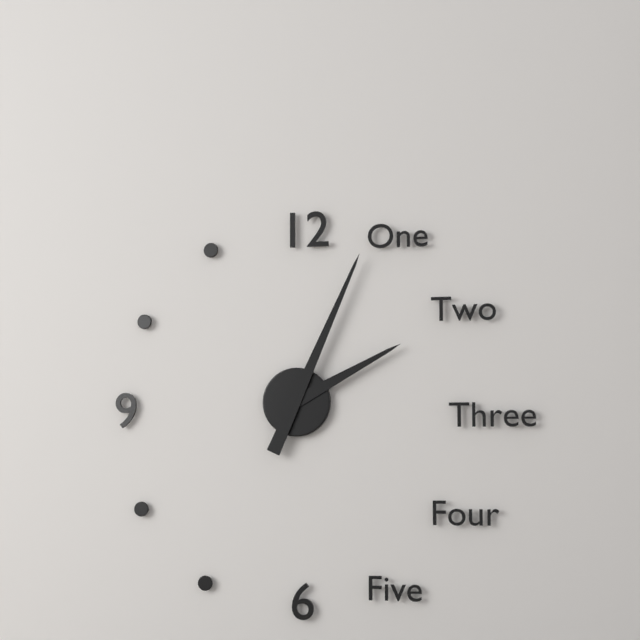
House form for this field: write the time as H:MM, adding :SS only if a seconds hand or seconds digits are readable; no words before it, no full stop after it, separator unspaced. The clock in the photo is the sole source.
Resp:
2:04
